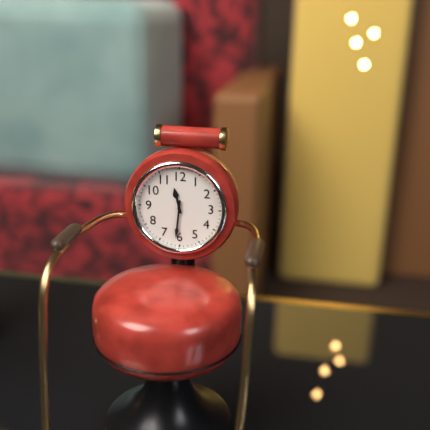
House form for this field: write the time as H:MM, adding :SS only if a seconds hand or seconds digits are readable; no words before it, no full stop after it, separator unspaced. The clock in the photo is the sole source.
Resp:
11:31
